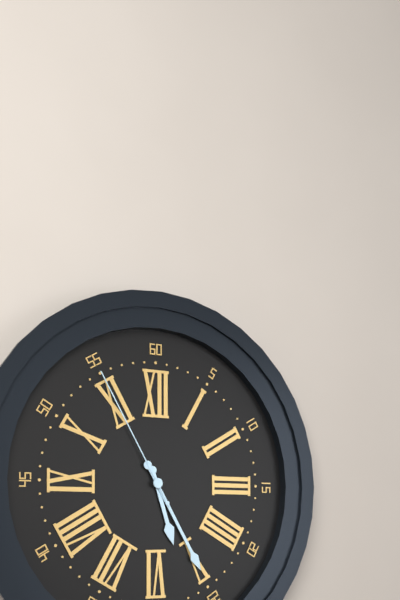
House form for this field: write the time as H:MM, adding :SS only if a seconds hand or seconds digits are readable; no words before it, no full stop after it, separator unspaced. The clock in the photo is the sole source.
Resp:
5:25:55
